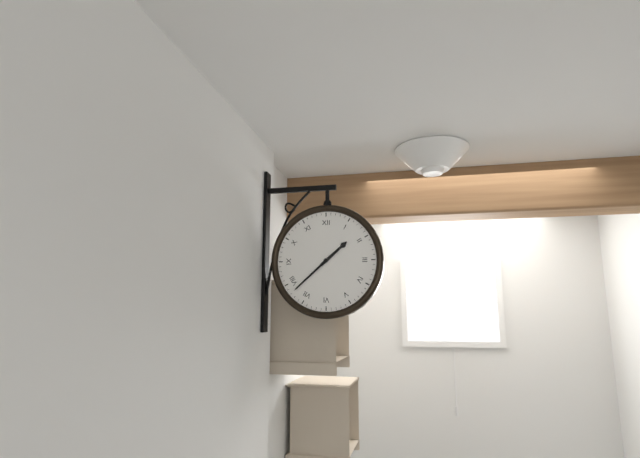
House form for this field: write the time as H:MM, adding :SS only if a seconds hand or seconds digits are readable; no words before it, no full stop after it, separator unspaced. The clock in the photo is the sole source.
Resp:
1:38
